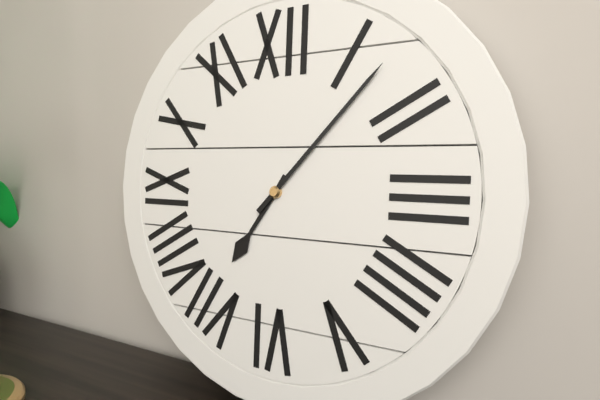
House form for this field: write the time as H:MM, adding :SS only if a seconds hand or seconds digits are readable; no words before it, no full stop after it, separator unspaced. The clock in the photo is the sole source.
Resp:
7:07
